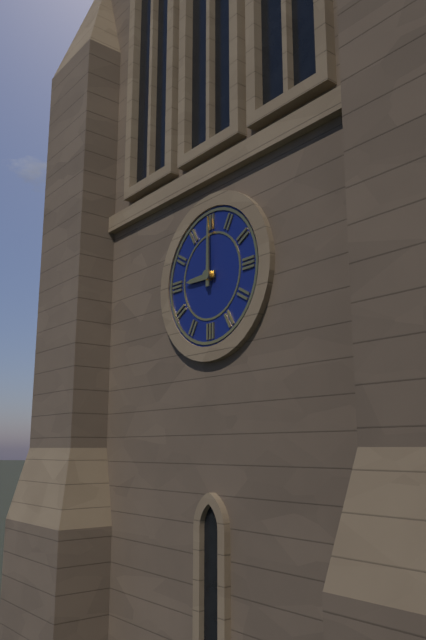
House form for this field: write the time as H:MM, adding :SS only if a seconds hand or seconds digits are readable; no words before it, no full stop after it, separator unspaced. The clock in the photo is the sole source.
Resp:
9:00
